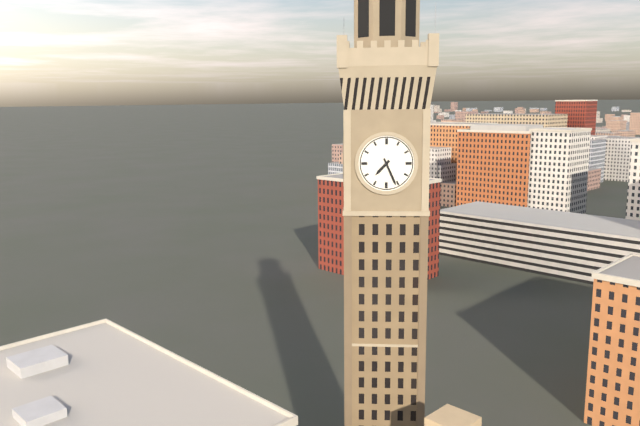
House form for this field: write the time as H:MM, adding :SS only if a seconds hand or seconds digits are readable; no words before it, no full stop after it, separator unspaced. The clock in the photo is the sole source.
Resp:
7:26
